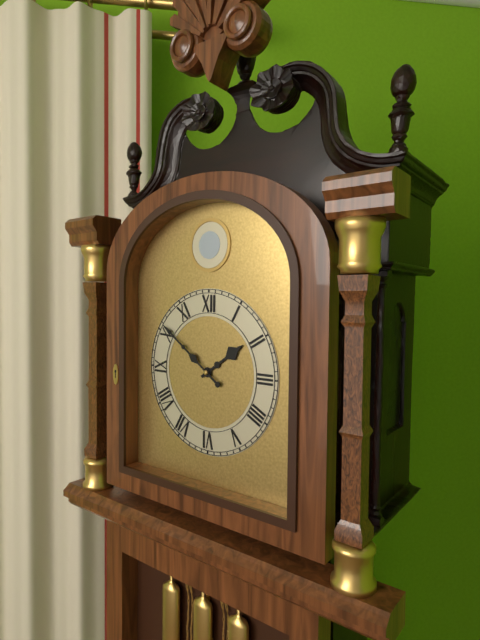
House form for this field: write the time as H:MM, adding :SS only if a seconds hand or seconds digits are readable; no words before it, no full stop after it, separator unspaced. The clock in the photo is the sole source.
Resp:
1:51
